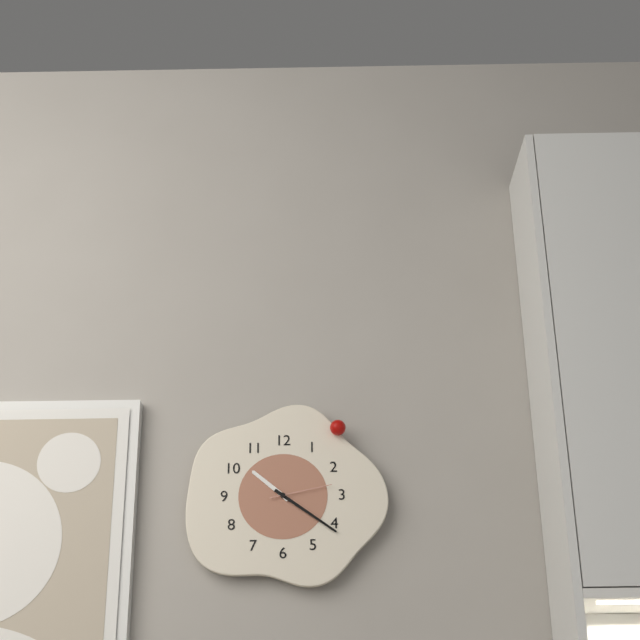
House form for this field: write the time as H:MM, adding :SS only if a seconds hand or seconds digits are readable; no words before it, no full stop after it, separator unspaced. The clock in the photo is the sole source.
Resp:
10:21:13
